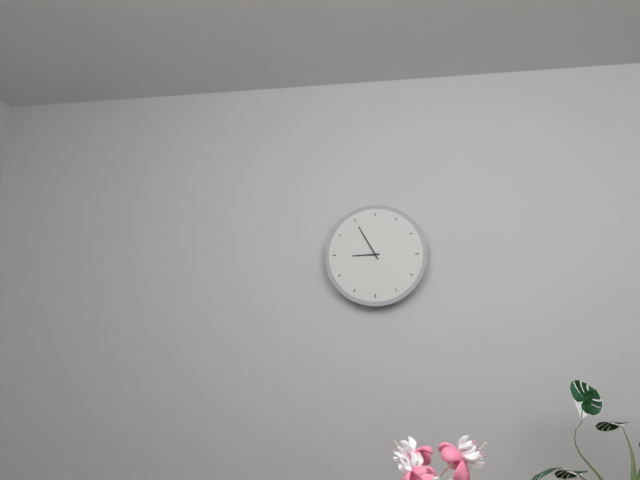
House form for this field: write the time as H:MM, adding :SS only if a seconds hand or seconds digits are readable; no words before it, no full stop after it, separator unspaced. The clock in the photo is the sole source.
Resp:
8:55
